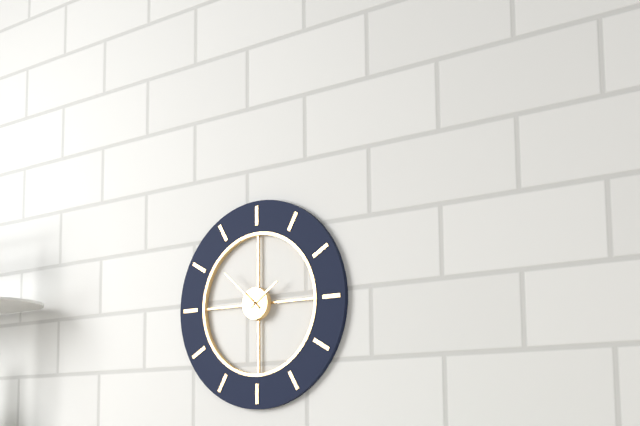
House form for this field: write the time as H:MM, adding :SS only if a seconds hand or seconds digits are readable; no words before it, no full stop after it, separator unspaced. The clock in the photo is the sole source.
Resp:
1:52
